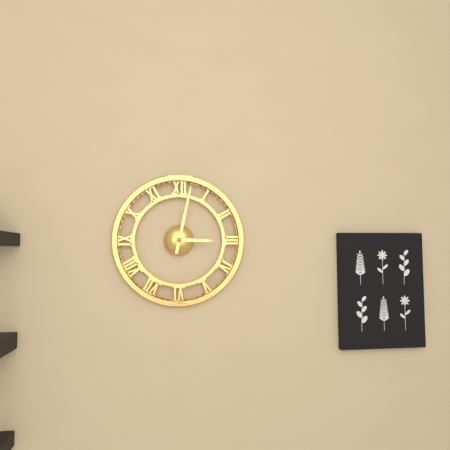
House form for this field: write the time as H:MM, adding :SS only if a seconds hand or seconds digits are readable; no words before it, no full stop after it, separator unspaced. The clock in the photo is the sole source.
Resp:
3:02
